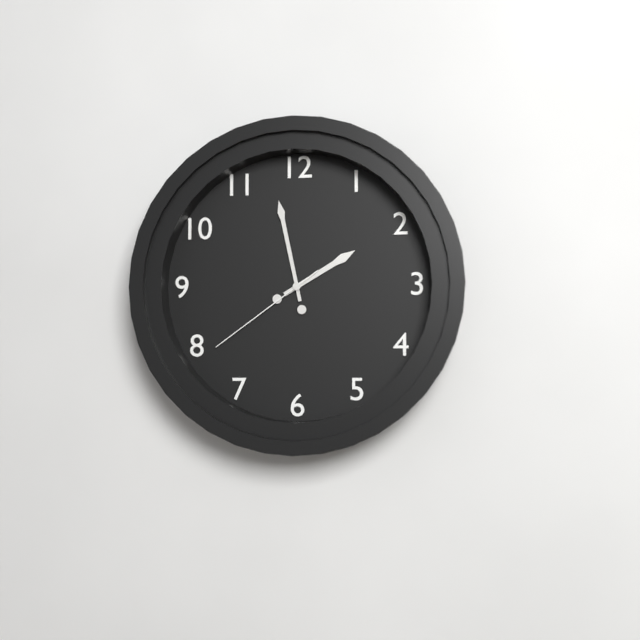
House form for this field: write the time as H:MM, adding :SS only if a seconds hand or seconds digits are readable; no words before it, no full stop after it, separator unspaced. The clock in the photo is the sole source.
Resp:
1:58:39
